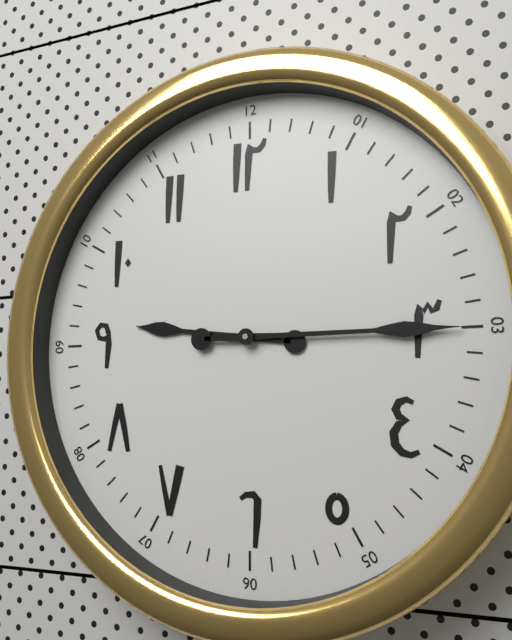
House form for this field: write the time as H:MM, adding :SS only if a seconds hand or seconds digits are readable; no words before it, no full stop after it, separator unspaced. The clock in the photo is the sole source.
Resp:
9:15
